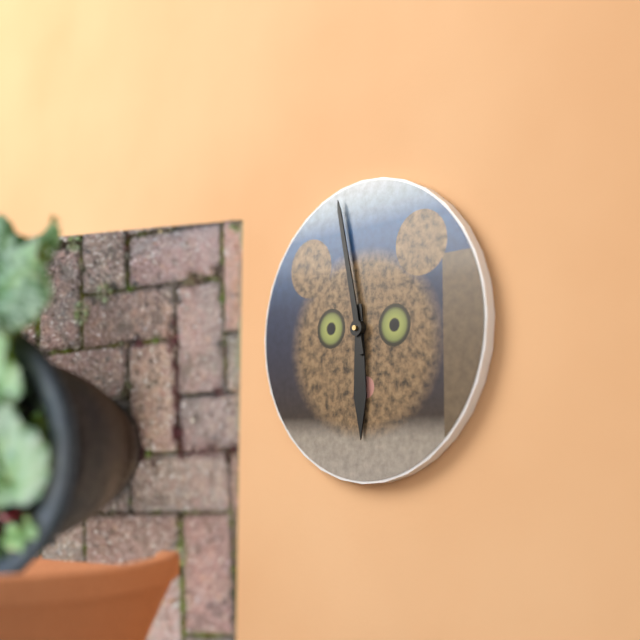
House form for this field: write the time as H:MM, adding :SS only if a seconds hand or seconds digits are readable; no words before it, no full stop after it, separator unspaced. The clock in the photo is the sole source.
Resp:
5:58
